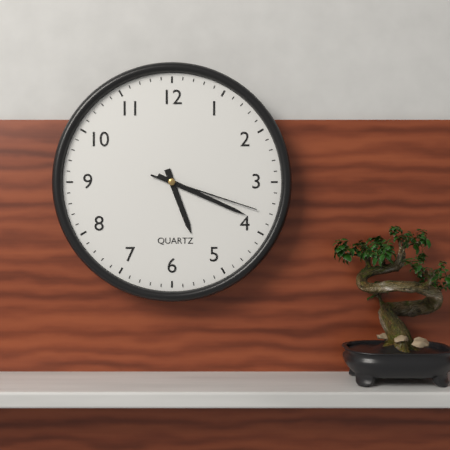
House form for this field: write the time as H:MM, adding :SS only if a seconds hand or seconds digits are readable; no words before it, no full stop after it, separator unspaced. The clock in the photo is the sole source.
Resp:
5:19:18
